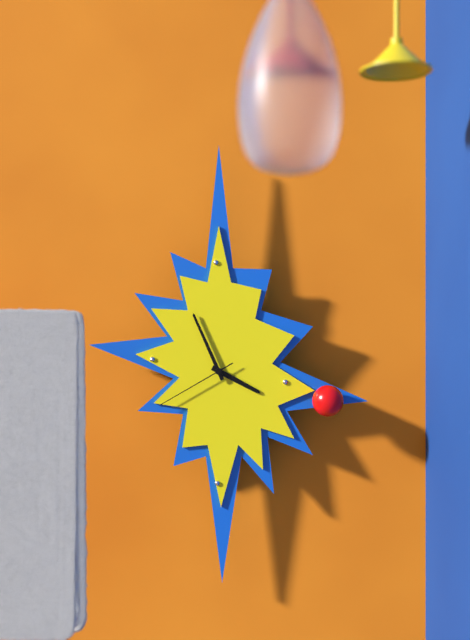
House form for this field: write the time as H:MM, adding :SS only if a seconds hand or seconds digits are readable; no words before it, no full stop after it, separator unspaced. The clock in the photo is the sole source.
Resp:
3:56:40
